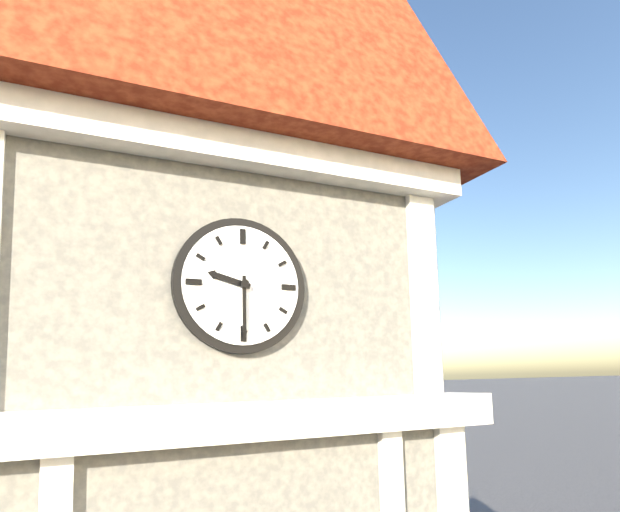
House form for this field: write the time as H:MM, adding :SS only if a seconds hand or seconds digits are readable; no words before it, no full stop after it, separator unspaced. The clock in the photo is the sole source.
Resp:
9:30
